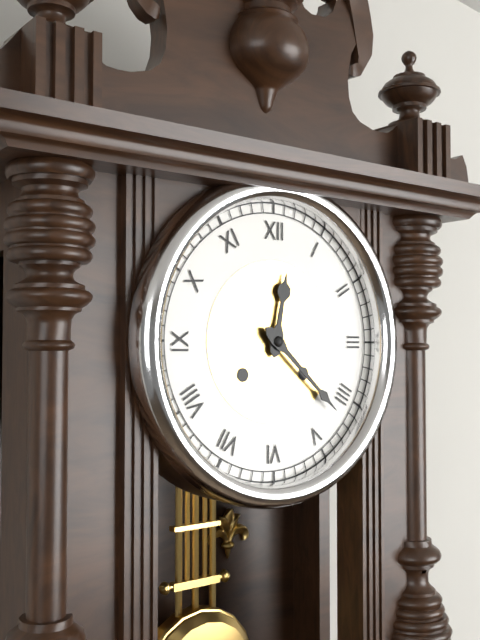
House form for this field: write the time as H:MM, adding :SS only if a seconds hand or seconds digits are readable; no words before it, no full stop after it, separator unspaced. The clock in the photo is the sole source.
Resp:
12:22
